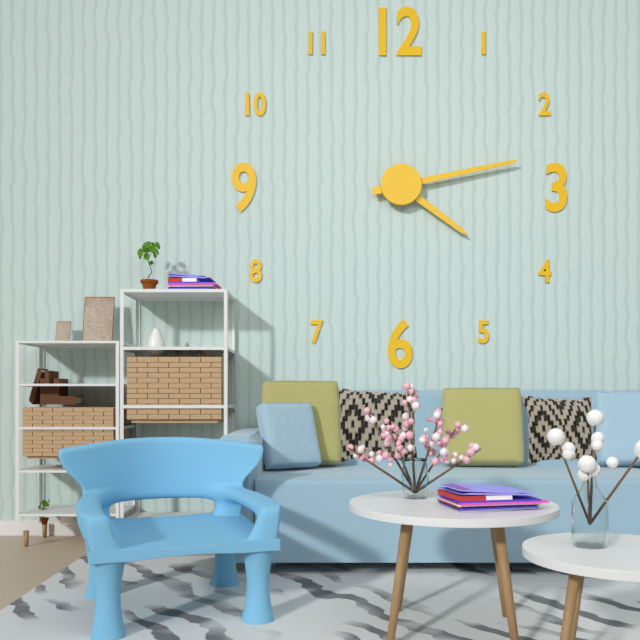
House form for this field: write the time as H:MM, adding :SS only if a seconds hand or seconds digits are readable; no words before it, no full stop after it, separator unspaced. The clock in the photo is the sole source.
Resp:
4:13
